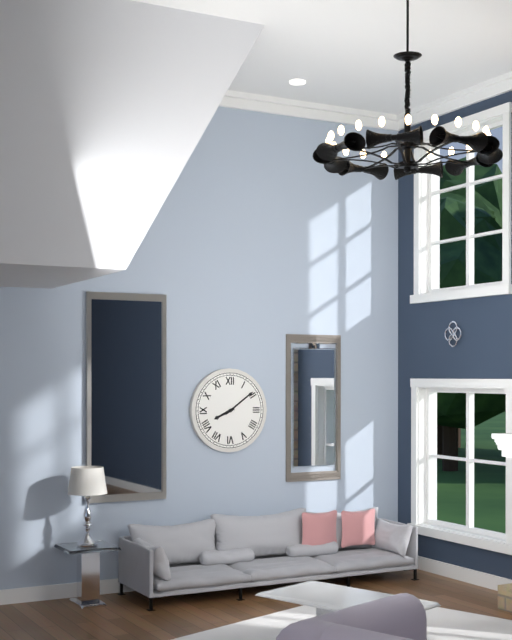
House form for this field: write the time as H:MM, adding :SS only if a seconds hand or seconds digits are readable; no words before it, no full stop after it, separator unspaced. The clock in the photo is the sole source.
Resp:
8:09
